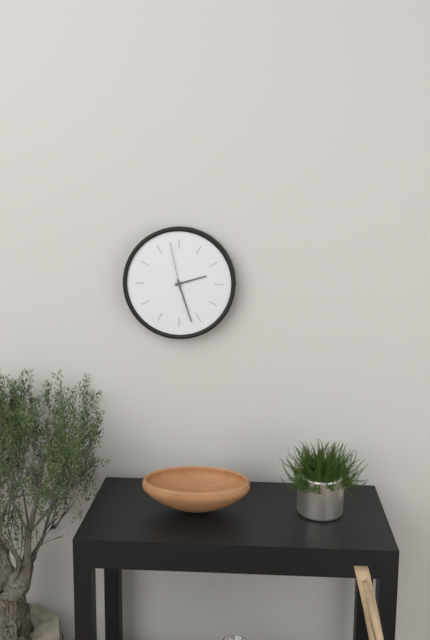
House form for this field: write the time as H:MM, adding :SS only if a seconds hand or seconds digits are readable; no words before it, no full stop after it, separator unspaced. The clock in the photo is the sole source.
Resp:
2:27:58
